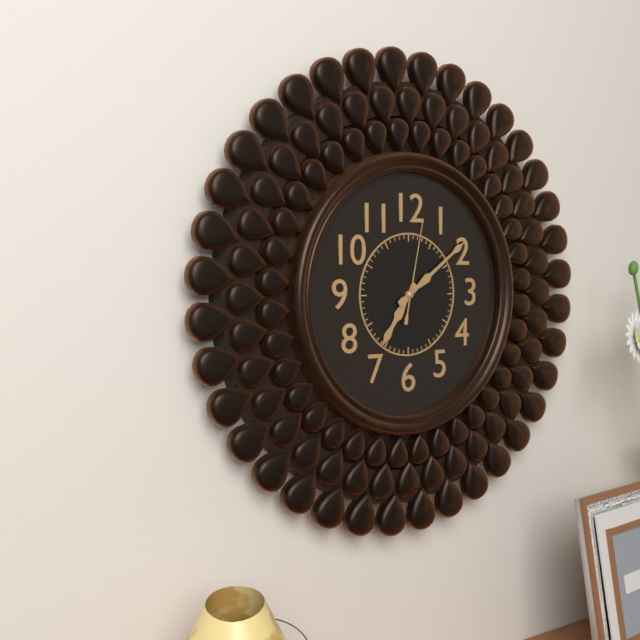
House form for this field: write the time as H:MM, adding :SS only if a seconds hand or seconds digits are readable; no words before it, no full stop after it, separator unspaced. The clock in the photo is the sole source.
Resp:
7:09:02
